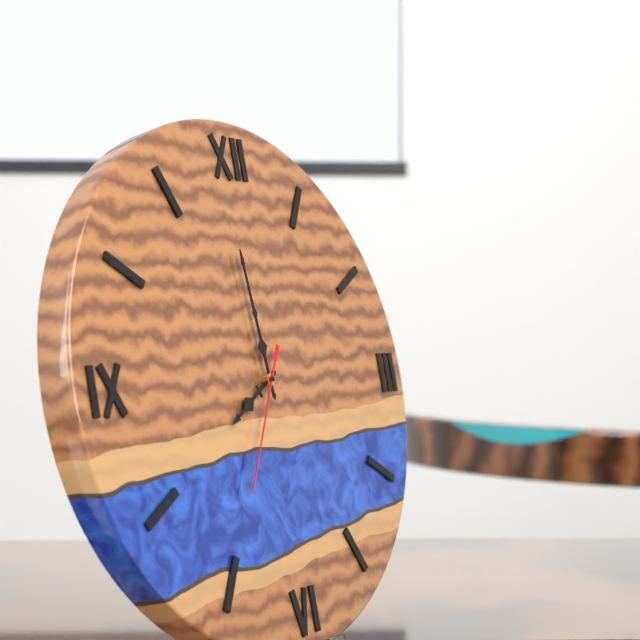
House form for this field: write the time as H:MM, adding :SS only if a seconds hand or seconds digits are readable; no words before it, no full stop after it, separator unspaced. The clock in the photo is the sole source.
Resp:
7:59:35
